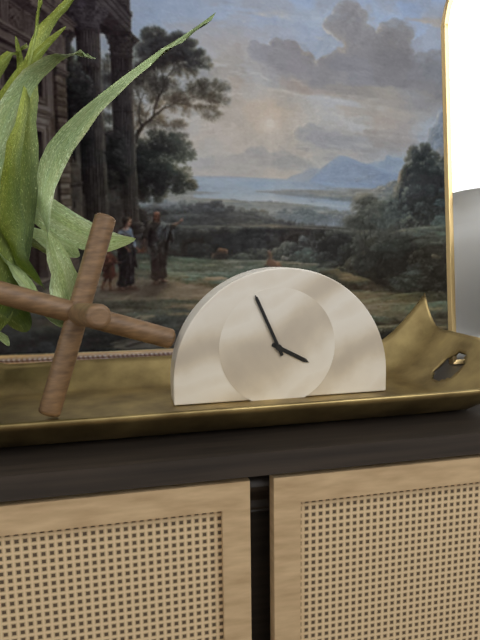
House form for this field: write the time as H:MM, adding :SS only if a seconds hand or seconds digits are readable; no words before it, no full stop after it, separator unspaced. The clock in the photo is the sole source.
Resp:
3:56
